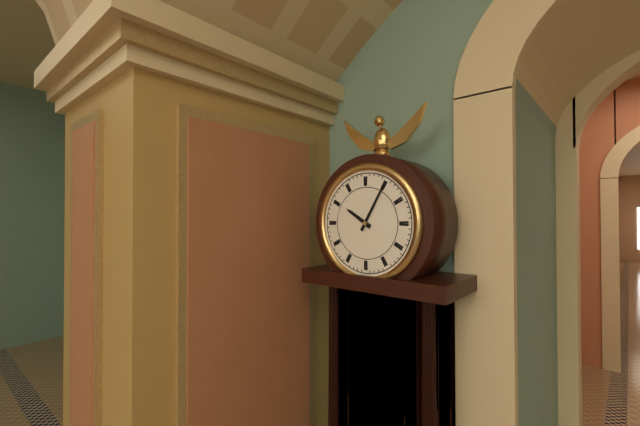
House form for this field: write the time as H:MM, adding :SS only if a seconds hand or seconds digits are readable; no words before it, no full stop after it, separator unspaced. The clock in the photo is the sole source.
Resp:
10:05
